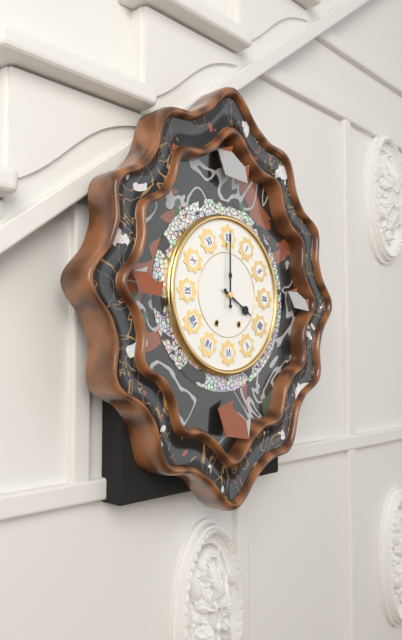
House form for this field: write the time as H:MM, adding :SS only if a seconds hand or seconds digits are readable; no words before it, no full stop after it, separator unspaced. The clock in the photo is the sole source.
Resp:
4:00
